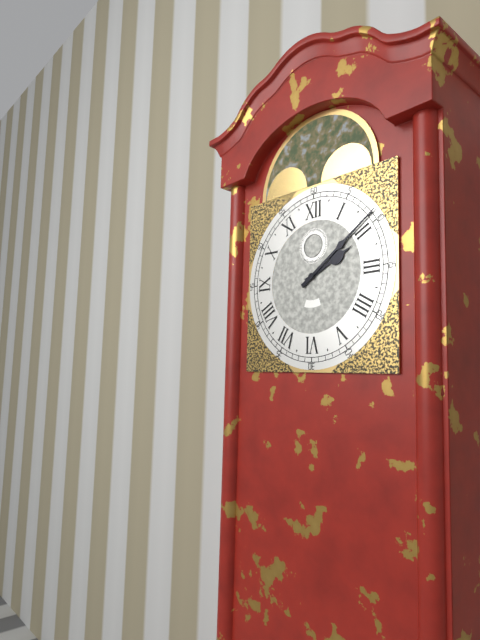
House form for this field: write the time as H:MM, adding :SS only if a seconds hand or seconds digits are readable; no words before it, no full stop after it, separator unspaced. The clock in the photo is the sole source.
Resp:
2:09
